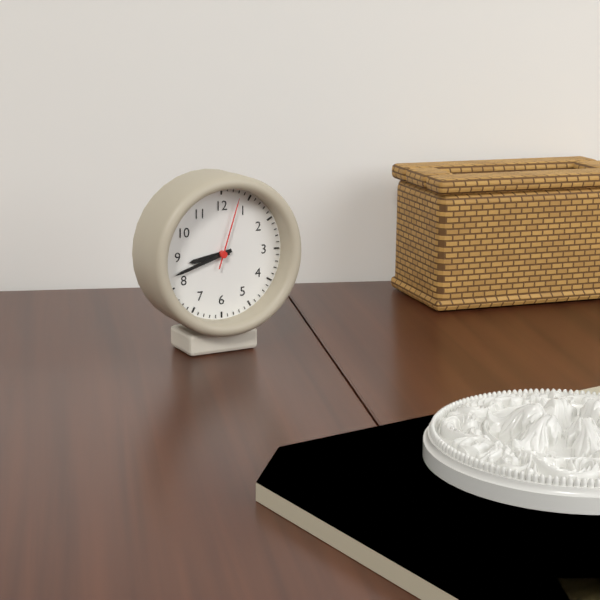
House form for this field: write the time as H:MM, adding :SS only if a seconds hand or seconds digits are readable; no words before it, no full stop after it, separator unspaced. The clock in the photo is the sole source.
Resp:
8:42:03
